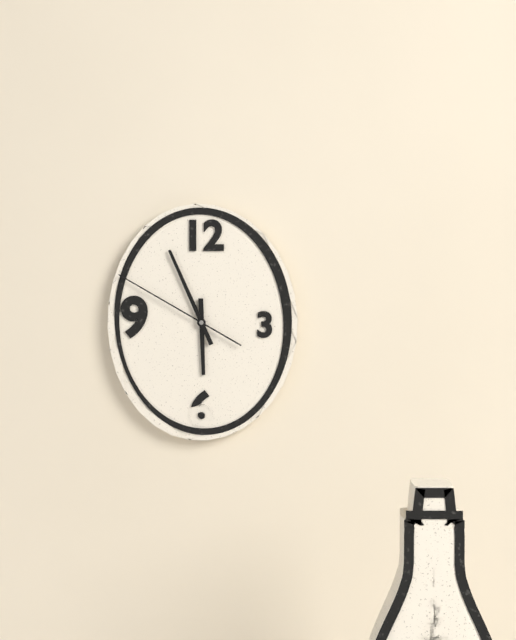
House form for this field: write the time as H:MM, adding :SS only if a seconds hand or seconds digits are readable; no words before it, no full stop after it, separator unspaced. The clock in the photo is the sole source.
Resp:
5:56:50
